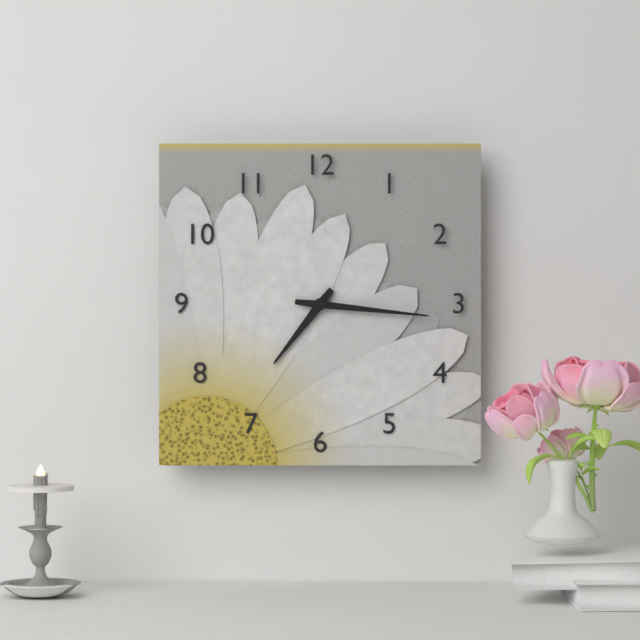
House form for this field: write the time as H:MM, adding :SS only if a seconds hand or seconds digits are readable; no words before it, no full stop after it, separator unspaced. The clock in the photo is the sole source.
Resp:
7:16
